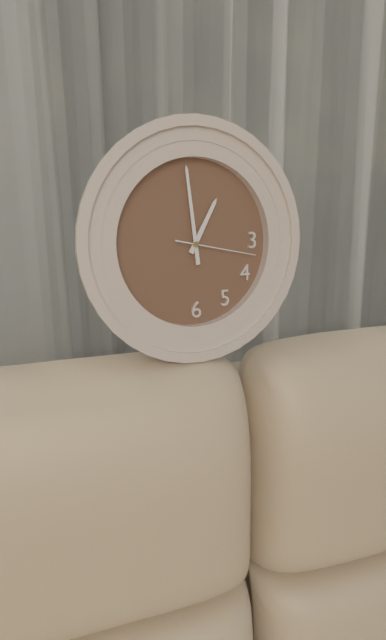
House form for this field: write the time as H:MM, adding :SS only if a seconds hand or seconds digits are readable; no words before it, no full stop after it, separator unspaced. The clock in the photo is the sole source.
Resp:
12:59:17
